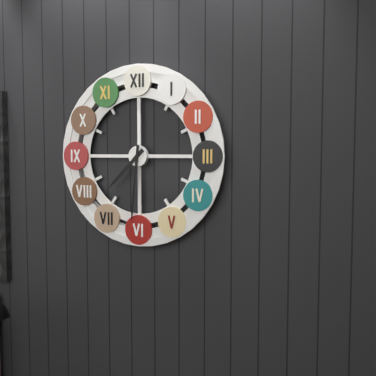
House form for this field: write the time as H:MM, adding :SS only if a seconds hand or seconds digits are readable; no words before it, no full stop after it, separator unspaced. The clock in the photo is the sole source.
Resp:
7:31
